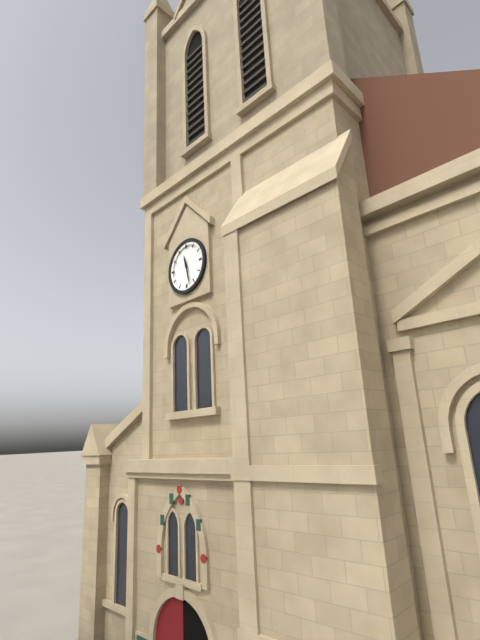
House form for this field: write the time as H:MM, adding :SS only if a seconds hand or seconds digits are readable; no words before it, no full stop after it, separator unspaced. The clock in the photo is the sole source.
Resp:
11:28
